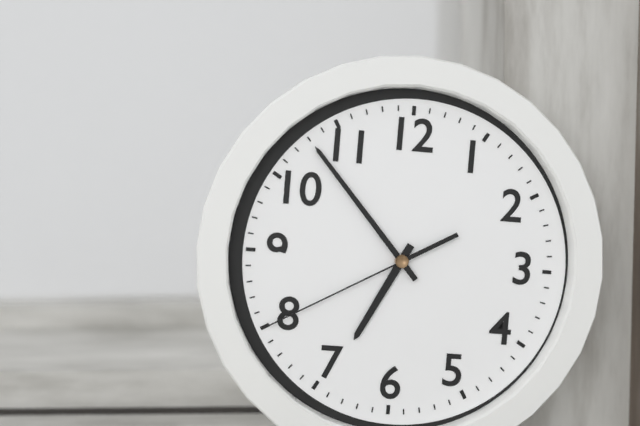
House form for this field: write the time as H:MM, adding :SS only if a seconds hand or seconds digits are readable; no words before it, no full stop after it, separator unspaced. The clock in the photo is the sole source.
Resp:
6:53:40
